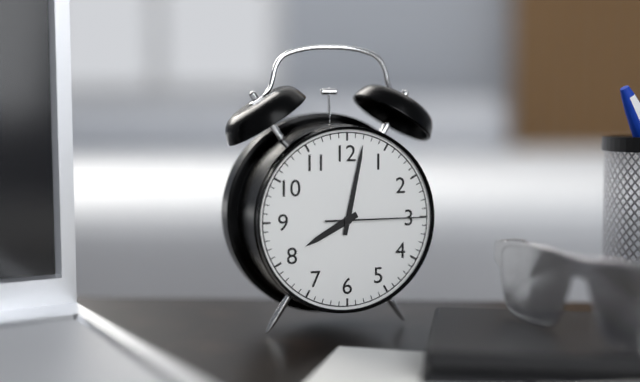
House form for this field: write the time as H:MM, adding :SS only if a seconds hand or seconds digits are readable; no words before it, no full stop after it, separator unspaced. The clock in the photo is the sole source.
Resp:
8:02:15
